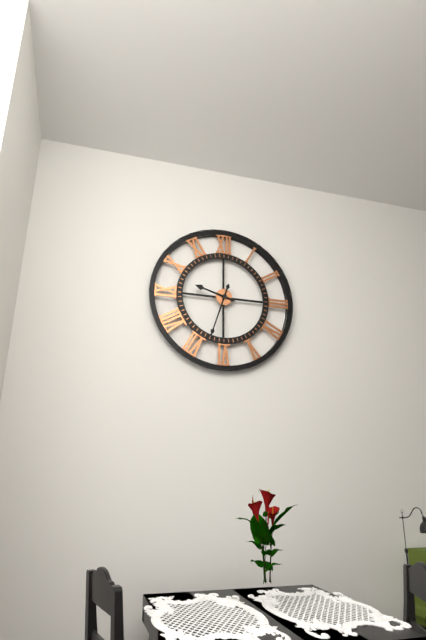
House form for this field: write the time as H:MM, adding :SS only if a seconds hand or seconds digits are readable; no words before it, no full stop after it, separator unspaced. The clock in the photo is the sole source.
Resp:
9:33
